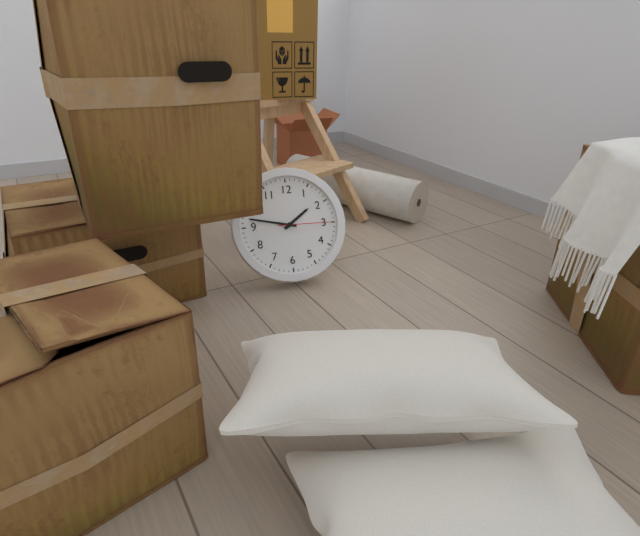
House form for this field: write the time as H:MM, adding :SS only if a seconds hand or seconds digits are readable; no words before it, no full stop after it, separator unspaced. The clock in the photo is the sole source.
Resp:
1:47:15
